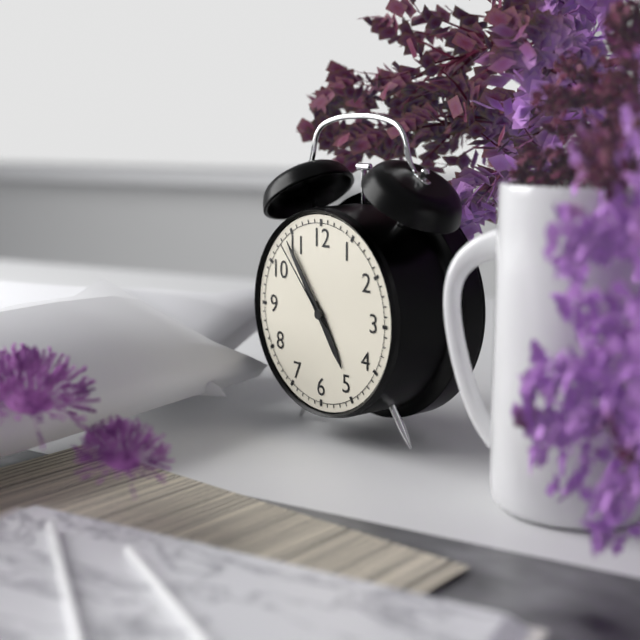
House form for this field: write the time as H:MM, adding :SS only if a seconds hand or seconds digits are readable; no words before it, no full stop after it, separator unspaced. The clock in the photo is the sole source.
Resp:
4:54:53
